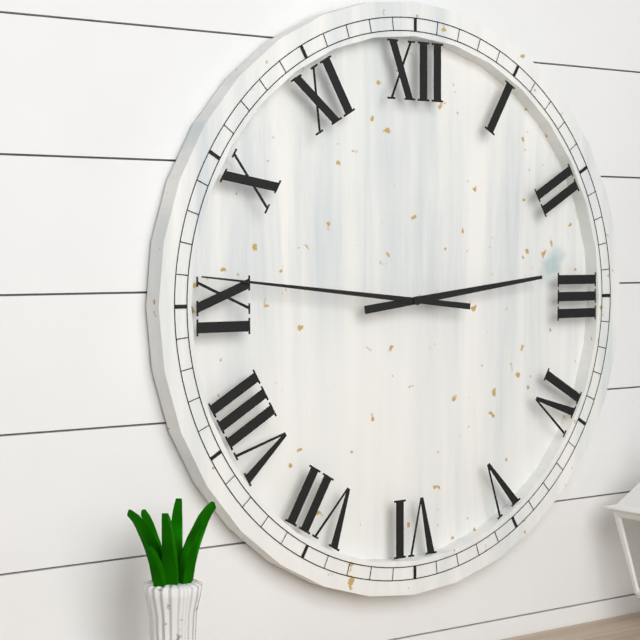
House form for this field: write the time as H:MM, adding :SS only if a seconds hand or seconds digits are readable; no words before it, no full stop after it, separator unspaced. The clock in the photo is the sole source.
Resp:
2:46
